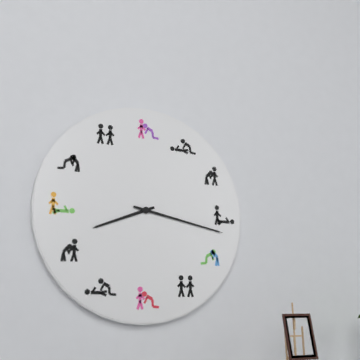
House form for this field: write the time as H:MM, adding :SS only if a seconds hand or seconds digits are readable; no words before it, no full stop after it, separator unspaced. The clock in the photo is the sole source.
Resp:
8:17
